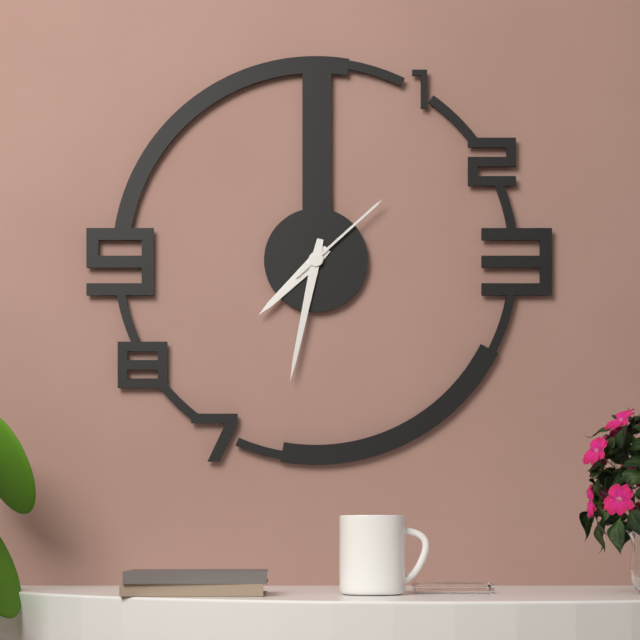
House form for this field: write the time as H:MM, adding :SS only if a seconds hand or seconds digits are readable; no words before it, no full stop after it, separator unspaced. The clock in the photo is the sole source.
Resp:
7:32:08
